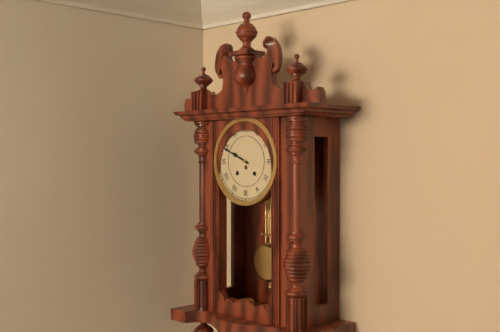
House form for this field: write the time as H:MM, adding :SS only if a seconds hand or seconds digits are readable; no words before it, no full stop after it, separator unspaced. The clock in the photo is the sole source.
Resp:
9:49
